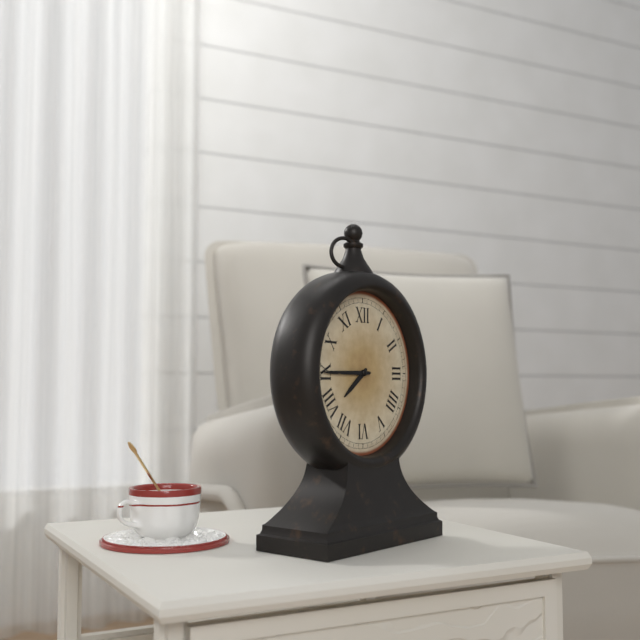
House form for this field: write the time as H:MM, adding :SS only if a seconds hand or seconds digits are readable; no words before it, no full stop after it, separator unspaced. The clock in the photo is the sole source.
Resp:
7:45
